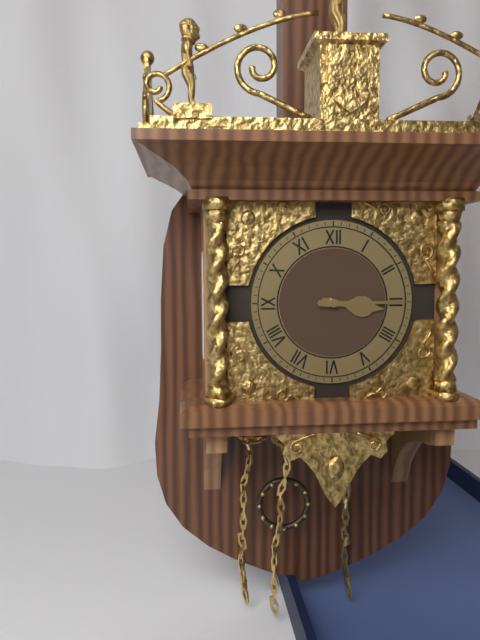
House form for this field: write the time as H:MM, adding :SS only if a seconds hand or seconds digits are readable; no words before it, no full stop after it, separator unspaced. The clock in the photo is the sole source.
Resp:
3:15
